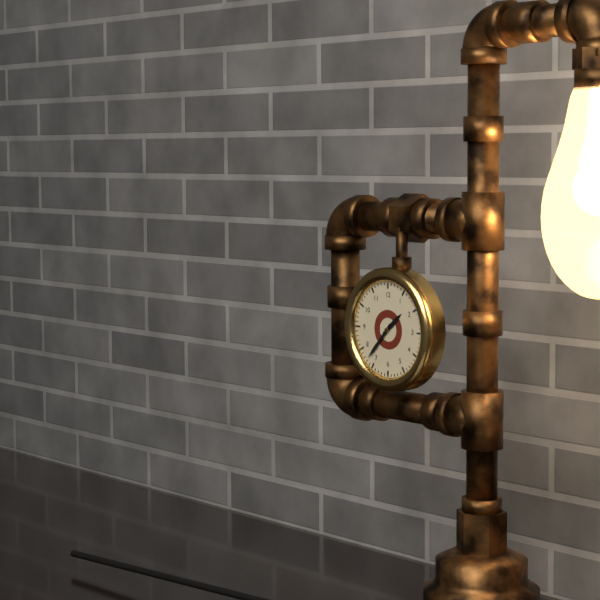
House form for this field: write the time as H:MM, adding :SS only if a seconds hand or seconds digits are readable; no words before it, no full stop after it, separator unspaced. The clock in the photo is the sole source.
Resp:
1:37
